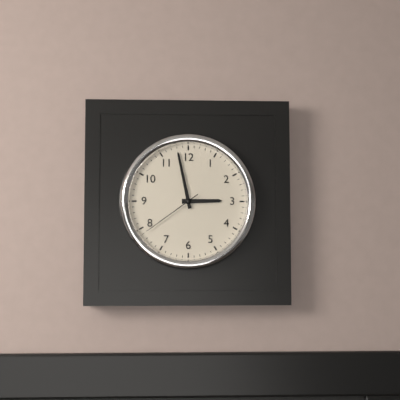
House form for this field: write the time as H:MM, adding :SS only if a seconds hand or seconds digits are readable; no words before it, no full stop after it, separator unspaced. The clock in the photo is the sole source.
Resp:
2:58:39
